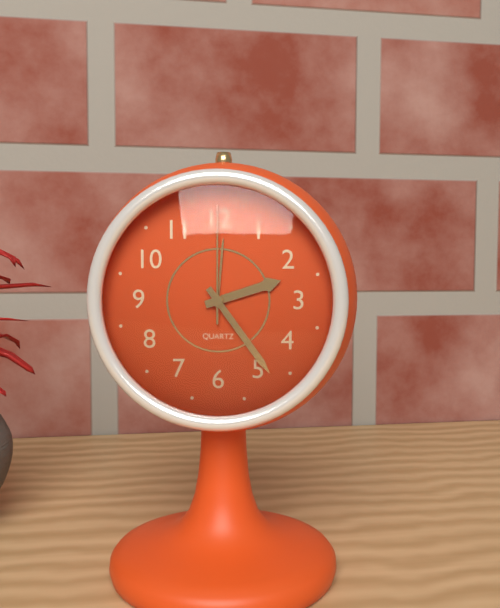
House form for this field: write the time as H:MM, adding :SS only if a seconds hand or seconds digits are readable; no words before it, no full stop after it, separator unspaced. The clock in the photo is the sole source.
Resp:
2:24:00
